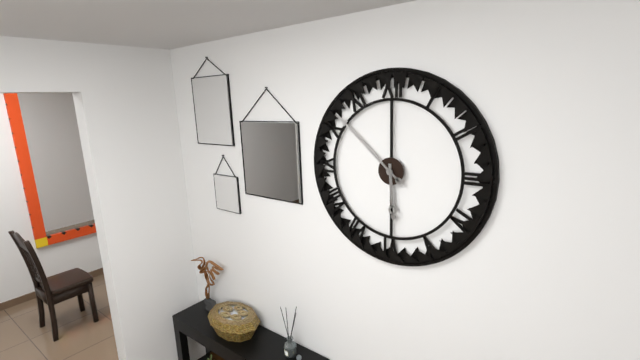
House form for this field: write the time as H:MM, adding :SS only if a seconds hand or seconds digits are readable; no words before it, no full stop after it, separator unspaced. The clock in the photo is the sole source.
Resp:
5:52
